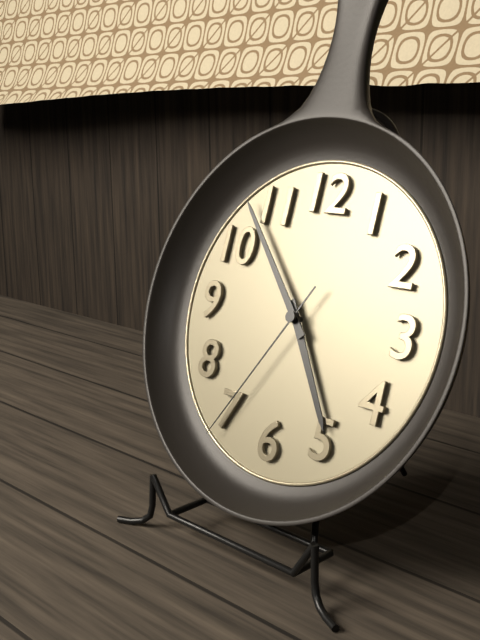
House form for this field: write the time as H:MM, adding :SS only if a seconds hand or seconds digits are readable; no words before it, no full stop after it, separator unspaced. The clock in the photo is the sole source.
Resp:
4:53:35
